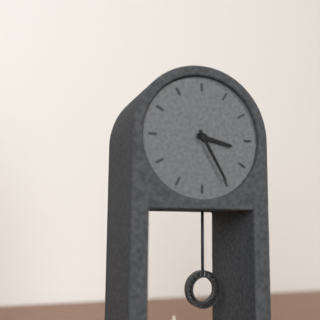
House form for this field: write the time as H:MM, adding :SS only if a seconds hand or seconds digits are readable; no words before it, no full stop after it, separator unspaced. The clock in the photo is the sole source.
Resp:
3:25
